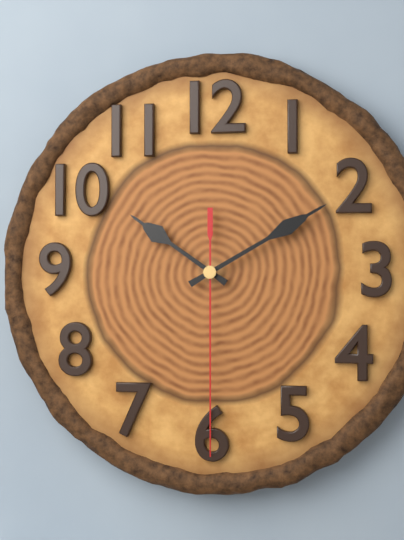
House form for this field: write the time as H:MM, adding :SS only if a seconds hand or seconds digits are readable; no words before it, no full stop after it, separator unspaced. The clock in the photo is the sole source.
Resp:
10:10:30
